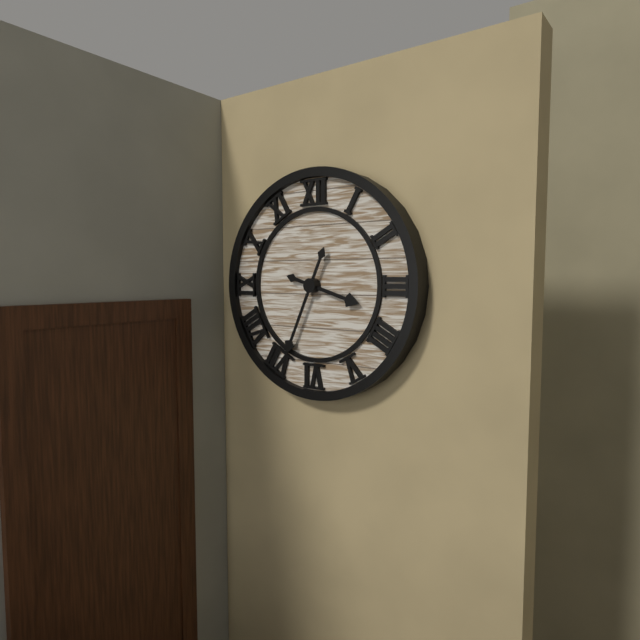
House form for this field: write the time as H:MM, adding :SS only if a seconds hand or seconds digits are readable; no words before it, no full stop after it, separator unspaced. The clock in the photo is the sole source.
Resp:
3:34
